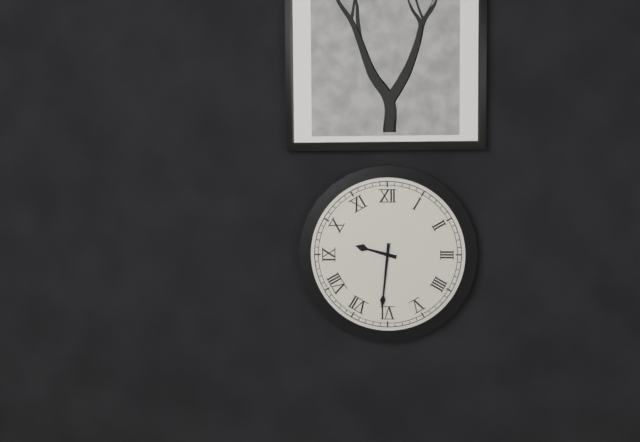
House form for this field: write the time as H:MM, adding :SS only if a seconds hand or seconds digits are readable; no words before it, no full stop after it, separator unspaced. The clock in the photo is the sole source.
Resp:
9:31
